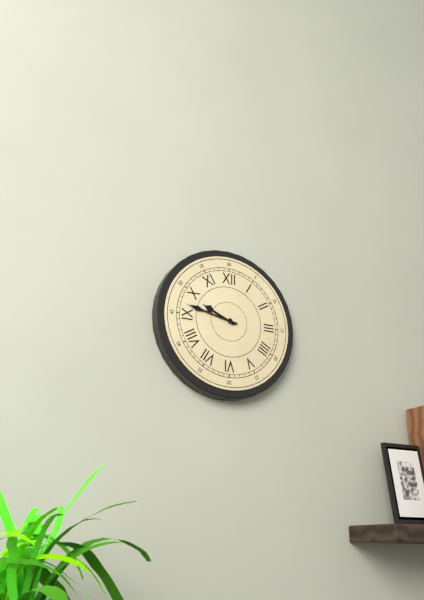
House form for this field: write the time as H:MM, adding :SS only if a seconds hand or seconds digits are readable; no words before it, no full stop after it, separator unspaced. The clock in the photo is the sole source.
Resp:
9:47
